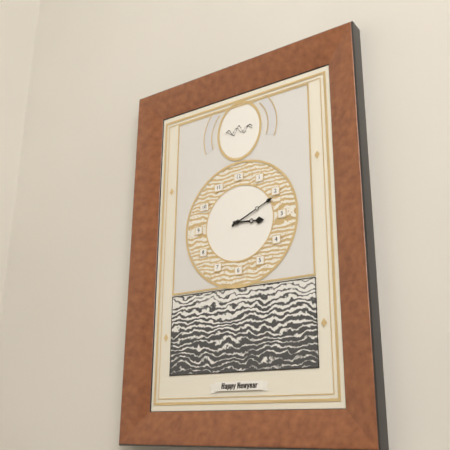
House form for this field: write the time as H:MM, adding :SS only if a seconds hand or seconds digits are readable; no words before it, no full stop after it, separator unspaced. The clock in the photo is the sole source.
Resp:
3:11
